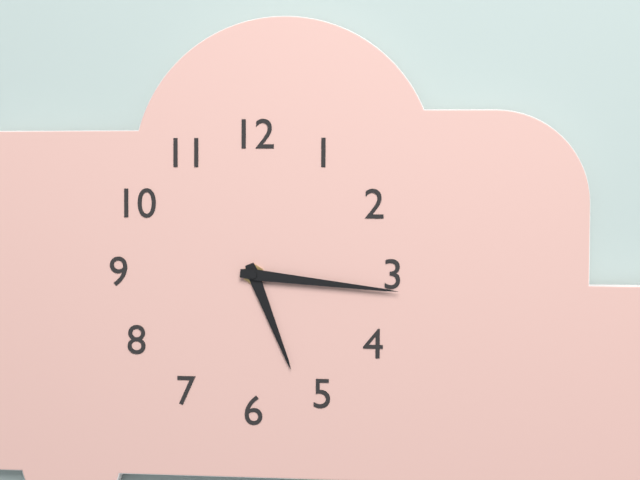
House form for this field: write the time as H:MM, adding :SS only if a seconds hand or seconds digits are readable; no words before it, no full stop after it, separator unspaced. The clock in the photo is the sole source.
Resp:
5:16
